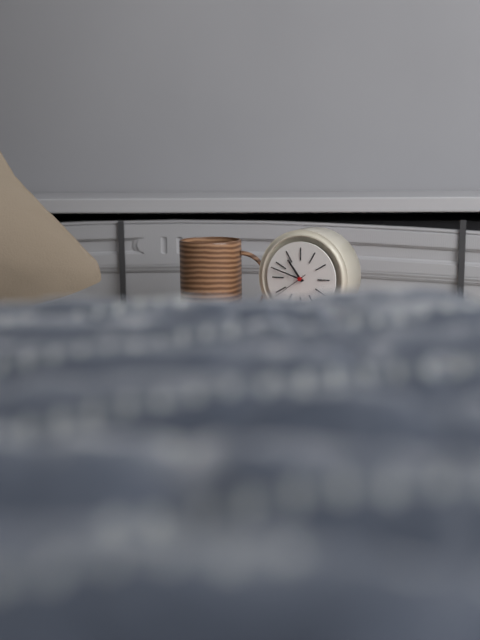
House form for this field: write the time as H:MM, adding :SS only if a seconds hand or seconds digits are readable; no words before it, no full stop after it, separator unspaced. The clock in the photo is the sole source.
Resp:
10:48
